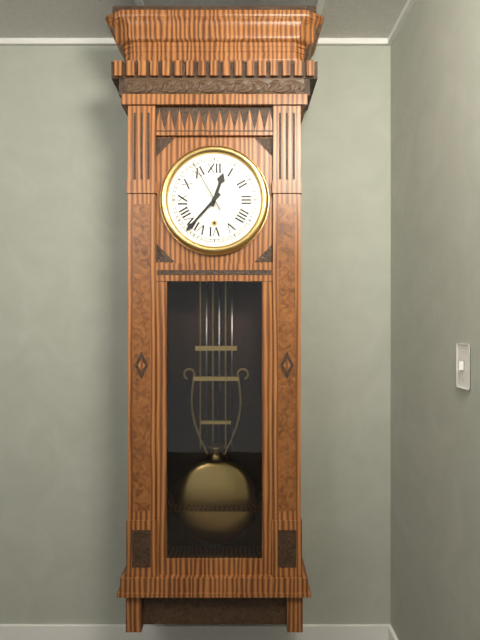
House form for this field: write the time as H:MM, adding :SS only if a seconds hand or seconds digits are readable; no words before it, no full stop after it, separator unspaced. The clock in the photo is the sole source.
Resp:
12:37:55
